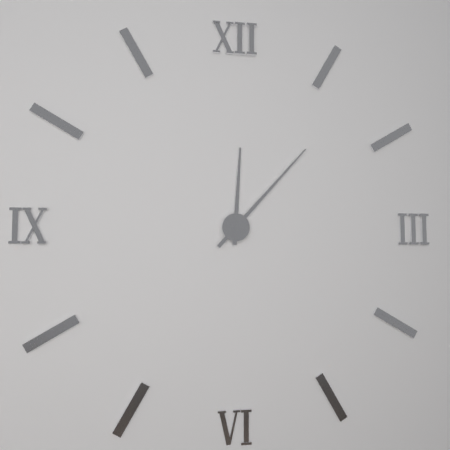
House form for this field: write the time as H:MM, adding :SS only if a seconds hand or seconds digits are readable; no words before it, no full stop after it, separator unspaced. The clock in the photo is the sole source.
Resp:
12:07
